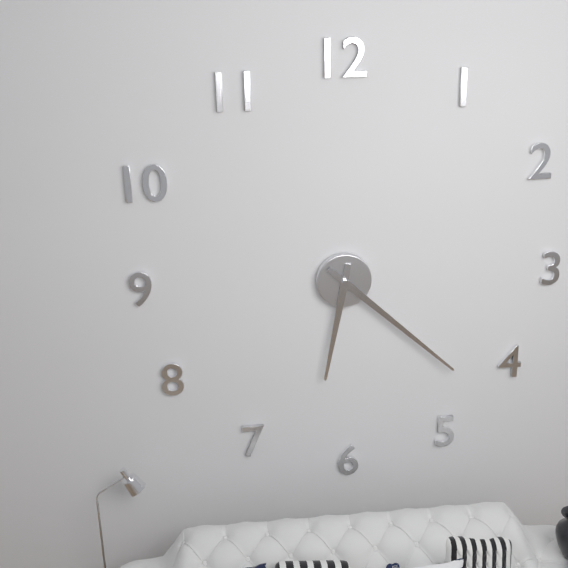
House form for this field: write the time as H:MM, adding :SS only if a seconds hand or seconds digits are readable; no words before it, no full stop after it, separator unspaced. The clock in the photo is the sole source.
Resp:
6:22
